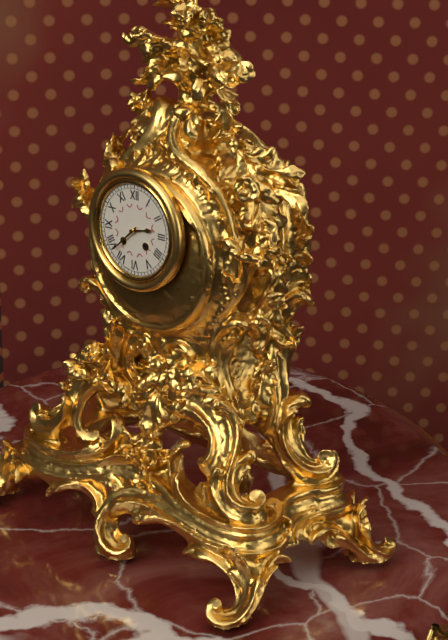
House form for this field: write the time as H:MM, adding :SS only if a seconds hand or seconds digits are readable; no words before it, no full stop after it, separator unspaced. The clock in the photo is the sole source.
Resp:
2:38
